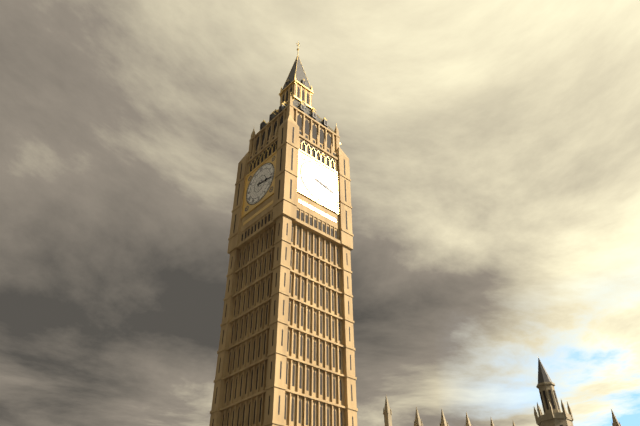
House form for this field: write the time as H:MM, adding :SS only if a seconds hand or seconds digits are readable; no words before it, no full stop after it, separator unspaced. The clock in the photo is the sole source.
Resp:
3:17
